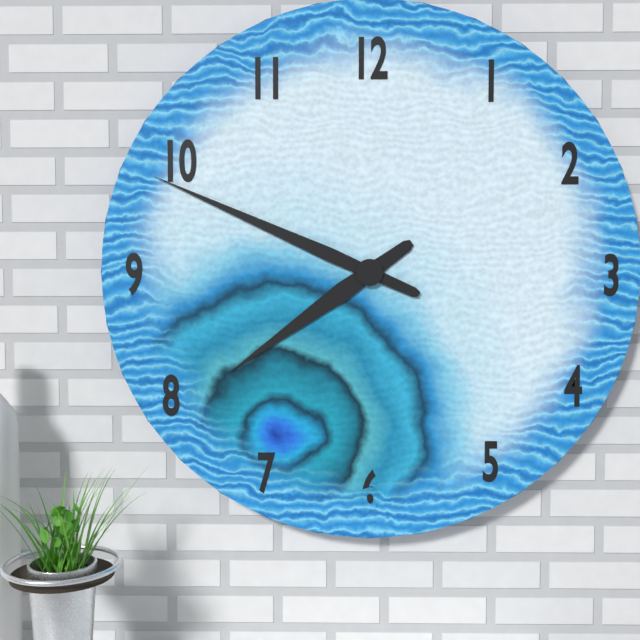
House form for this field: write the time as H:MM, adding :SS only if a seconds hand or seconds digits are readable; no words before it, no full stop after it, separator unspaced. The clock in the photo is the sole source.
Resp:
7:49
